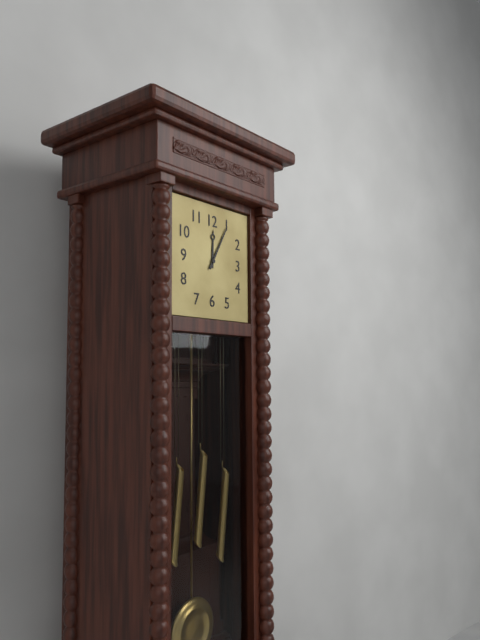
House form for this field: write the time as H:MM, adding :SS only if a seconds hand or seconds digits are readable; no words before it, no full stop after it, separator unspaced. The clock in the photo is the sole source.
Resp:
12:05
